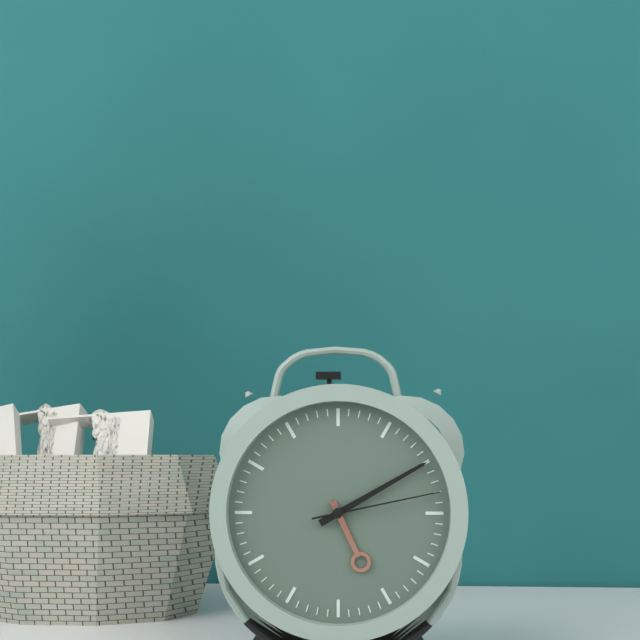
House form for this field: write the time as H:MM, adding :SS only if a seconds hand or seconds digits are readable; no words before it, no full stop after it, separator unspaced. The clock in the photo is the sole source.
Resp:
5:10:13
